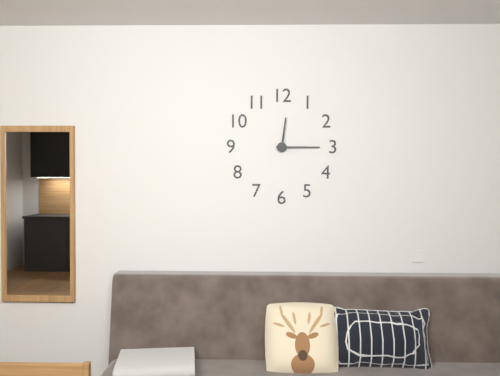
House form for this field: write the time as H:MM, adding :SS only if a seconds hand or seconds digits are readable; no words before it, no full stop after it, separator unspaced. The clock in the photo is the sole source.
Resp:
12:15
